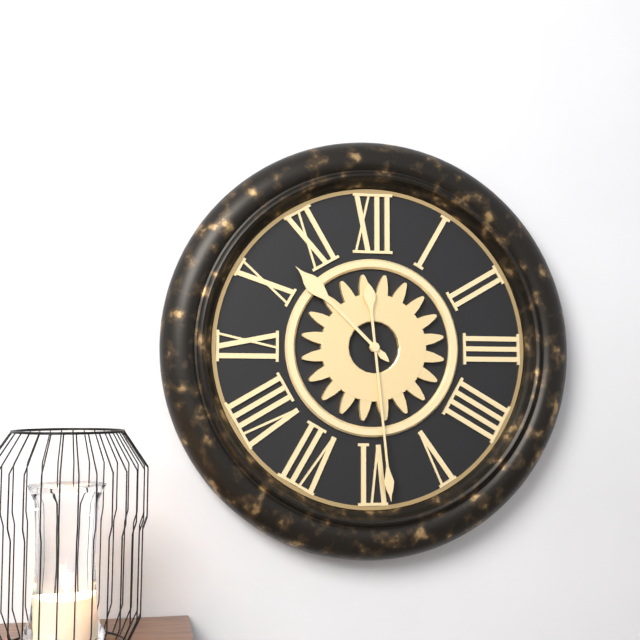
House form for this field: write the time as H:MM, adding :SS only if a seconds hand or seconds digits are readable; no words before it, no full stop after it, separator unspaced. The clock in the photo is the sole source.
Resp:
10:29
